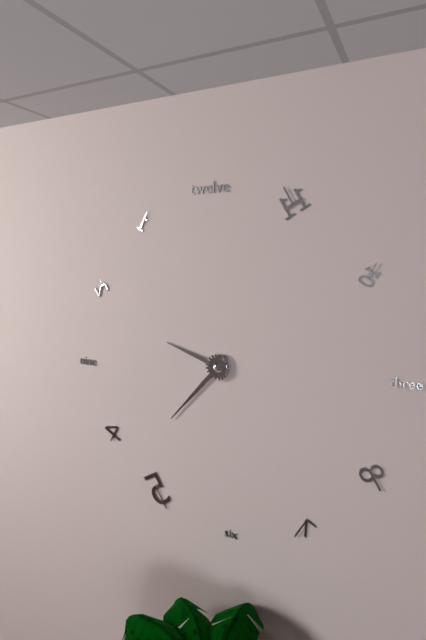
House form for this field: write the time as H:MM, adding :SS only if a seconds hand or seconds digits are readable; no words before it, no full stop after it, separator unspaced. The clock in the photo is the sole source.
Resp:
9:37
